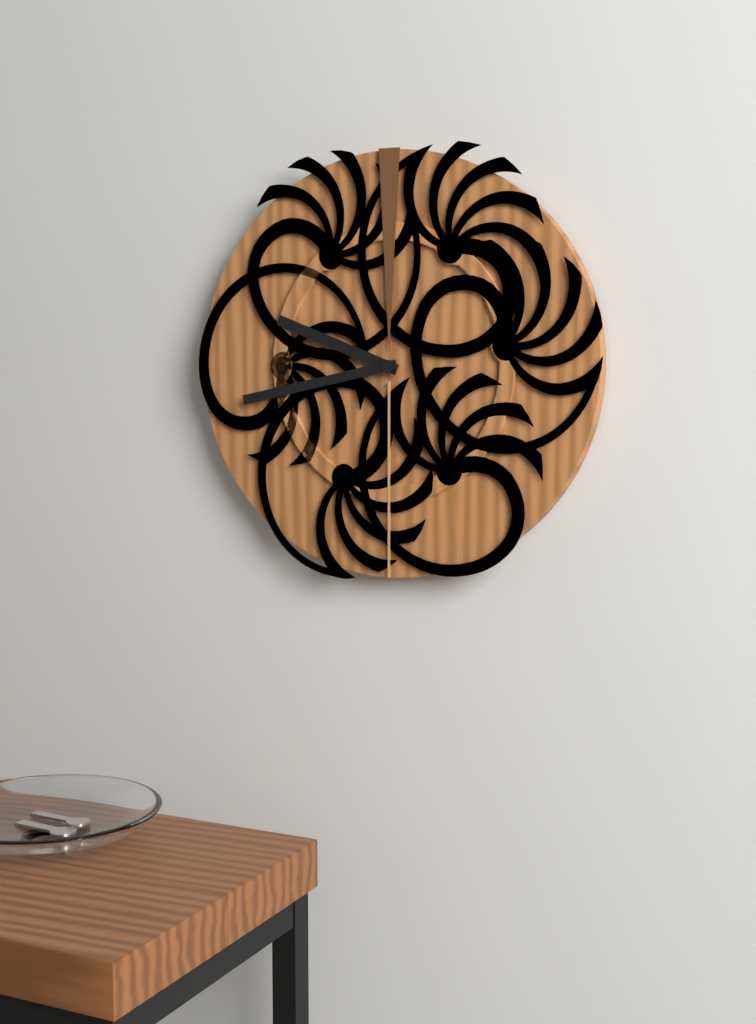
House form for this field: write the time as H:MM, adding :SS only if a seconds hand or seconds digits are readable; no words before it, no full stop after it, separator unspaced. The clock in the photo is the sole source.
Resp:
9:43
